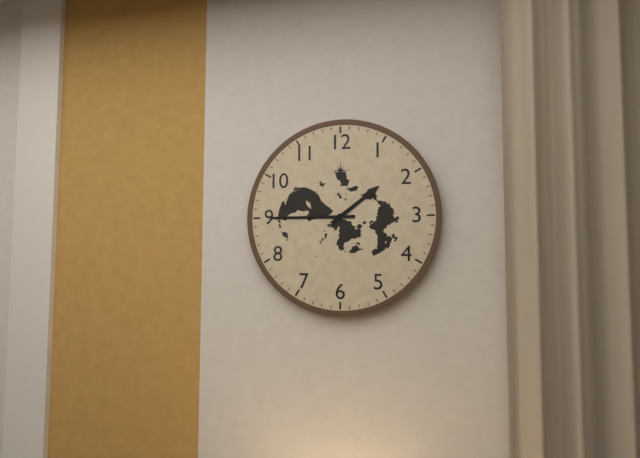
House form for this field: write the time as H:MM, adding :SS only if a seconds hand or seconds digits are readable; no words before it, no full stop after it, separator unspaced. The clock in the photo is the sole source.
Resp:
1:45
